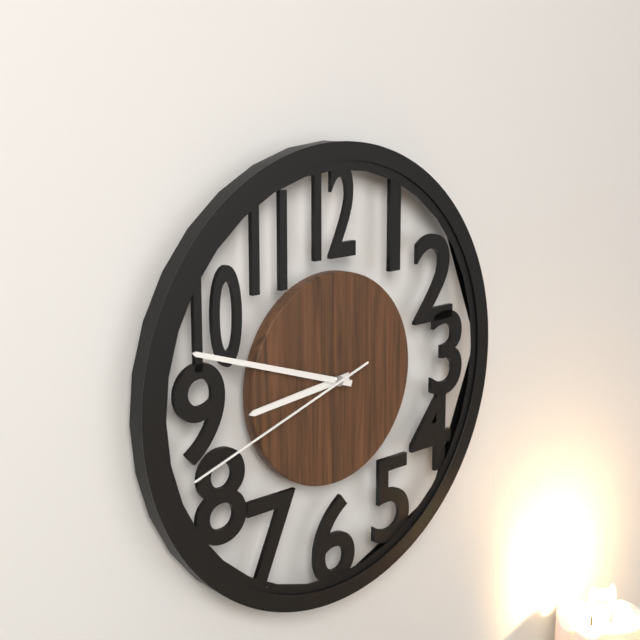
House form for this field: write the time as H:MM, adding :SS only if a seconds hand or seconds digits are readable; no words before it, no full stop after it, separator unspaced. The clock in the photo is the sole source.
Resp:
8:48:42
